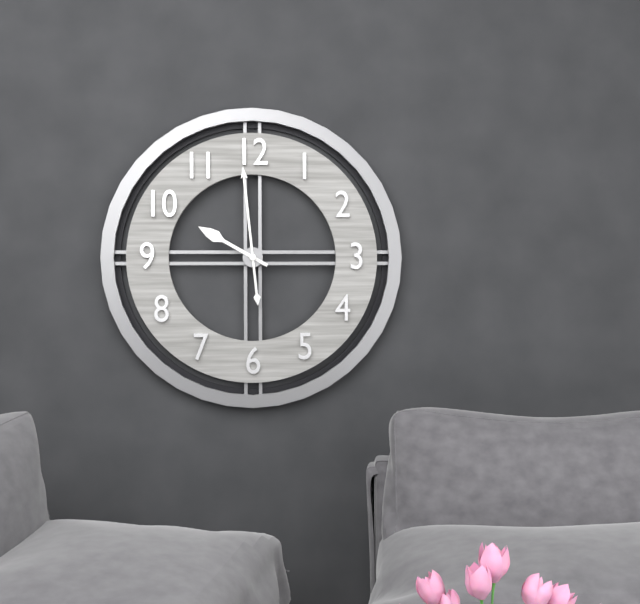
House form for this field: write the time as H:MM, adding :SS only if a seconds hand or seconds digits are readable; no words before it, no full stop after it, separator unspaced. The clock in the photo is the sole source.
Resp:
9:59
